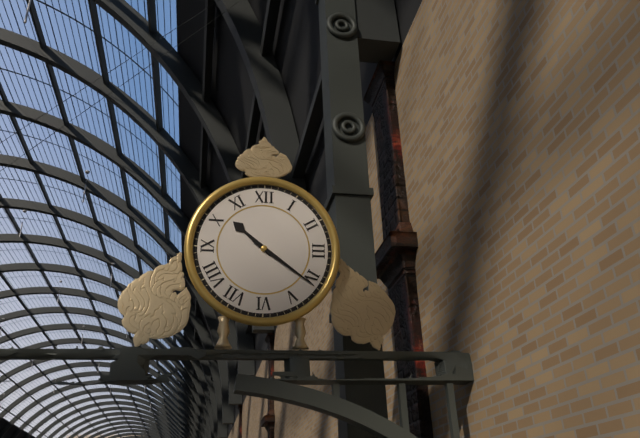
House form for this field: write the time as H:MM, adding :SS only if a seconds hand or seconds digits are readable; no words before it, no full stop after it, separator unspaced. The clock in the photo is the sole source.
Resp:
10:21
